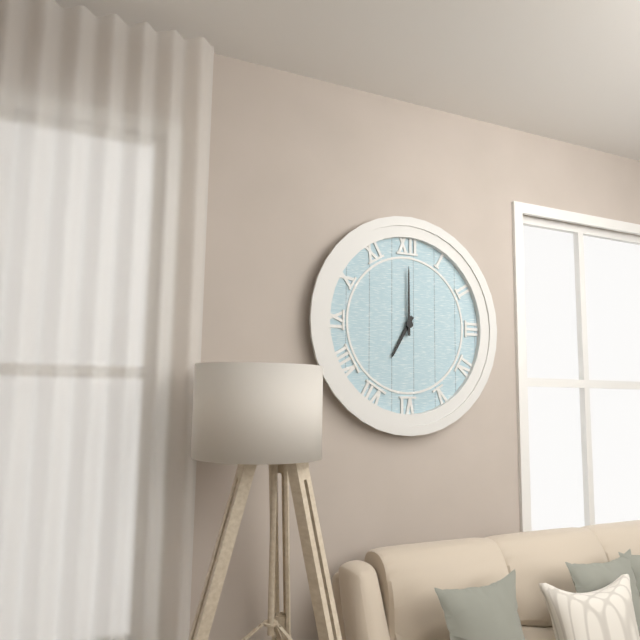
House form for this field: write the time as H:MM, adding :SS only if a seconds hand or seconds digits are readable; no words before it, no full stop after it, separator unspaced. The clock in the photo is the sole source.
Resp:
7:00
